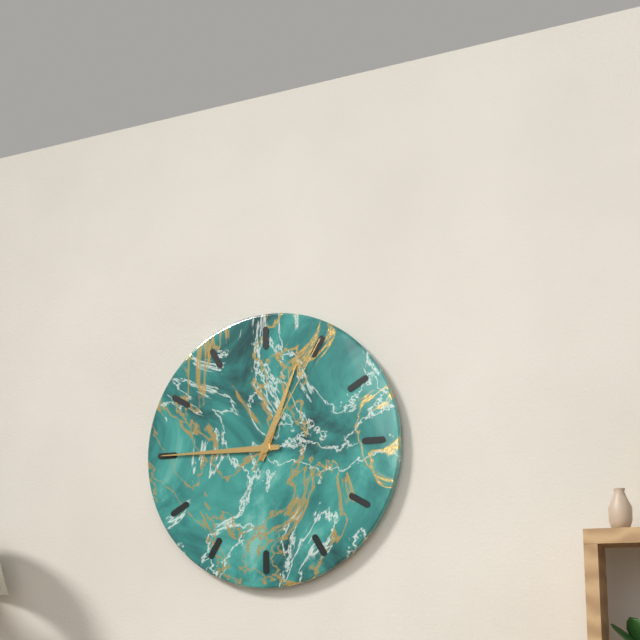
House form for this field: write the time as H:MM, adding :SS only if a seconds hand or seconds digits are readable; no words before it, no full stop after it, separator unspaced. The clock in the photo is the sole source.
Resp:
12:45:05
